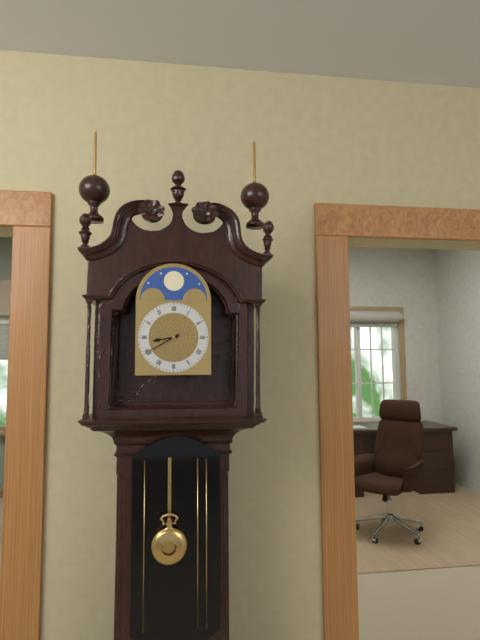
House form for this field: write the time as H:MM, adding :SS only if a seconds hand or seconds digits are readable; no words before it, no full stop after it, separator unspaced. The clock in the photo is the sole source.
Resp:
8:40
